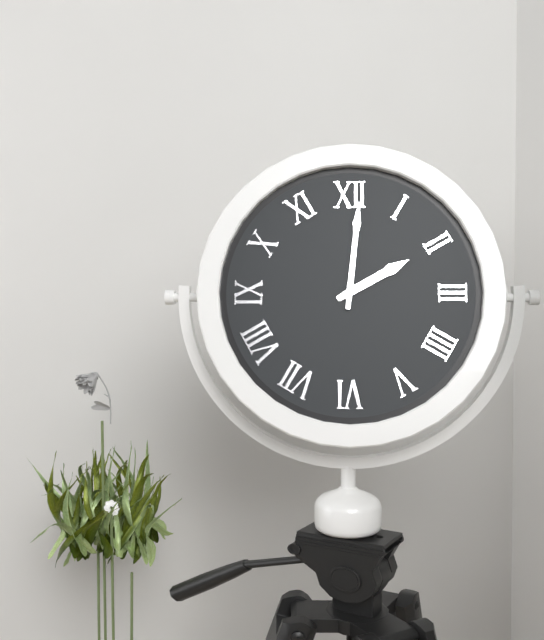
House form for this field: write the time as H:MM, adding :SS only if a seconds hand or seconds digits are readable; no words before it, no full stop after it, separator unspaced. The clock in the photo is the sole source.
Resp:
2:01
